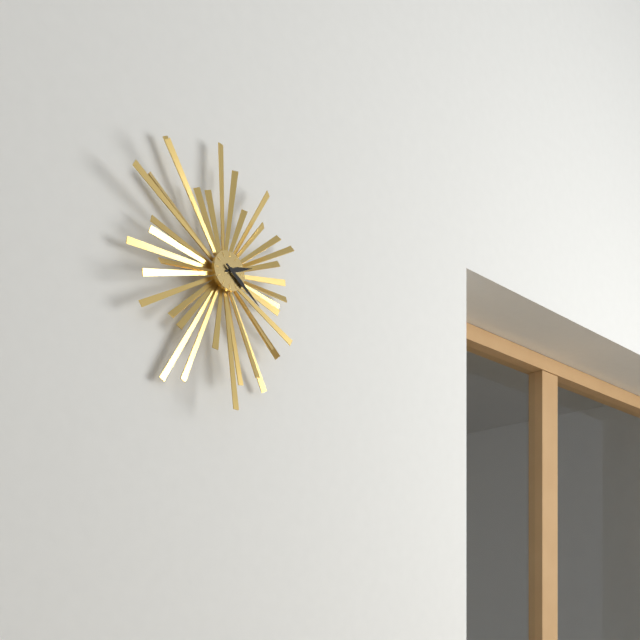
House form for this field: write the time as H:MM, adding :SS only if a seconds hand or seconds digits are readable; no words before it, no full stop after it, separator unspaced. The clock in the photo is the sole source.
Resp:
2:21
